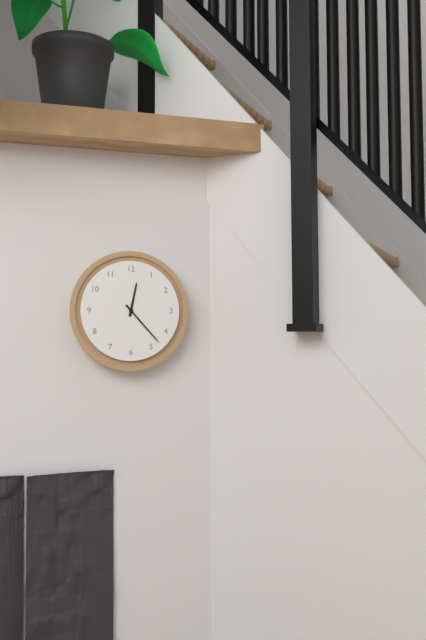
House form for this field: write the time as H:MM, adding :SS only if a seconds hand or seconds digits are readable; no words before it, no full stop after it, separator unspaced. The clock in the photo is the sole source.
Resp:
12:23
